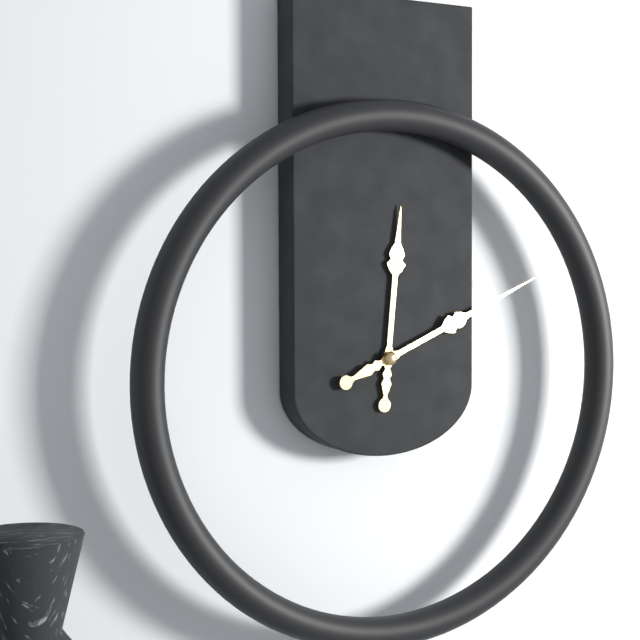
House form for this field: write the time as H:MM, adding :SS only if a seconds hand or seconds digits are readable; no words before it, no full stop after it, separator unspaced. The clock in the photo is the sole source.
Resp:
12:11
